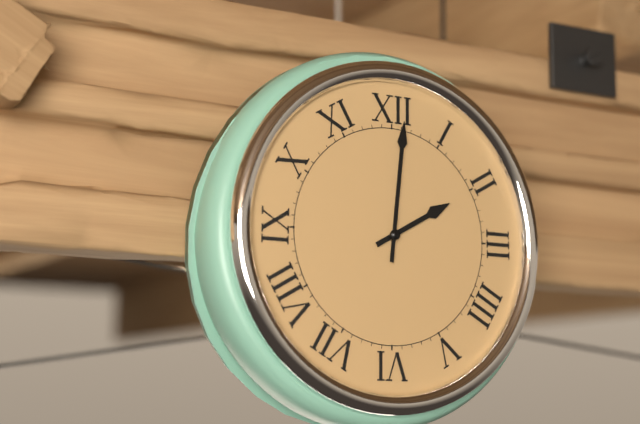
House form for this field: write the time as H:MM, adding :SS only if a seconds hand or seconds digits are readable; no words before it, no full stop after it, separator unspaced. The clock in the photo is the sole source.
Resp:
2:01
